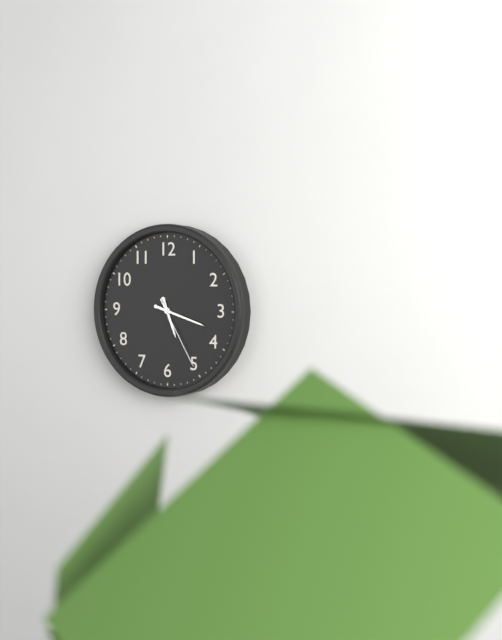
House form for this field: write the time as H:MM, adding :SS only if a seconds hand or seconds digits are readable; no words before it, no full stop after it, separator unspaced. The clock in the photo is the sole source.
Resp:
5:18:25
